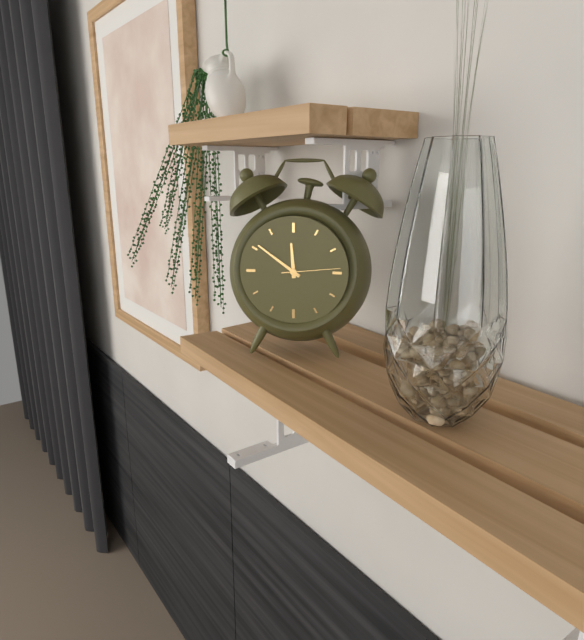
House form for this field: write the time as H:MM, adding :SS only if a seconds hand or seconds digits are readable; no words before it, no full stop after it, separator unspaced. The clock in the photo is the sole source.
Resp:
11:51:14
